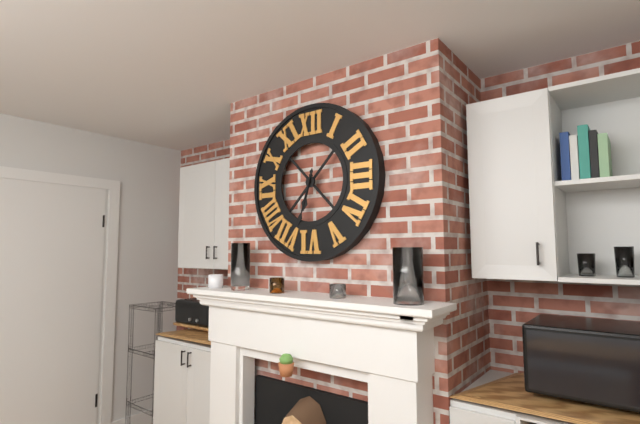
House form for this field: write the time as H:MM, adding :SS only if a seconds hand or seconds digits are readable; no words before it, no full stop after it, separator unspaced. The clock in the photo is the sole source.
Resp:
6:33
